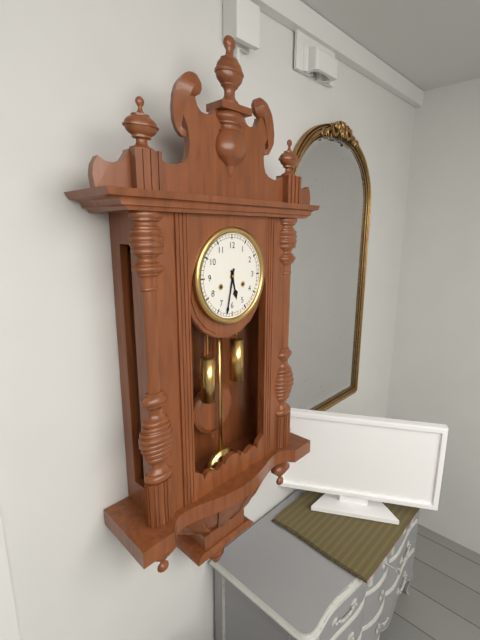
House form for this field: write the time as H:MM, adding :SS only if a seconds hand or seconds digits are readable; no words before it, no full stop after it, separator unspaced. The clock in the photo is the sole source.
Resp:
5:32
